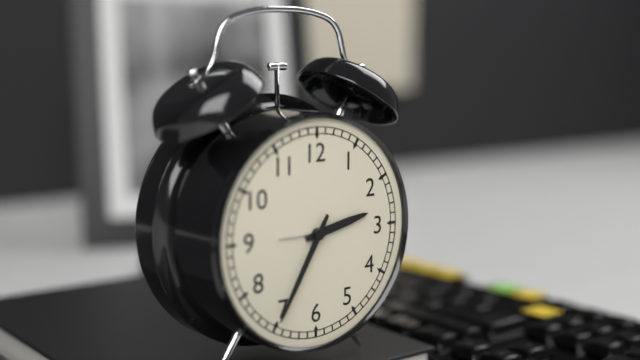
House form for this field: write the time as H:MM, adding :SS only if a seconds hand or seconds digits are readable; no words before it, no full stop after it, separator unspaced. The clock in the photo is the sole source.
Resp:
2:35
